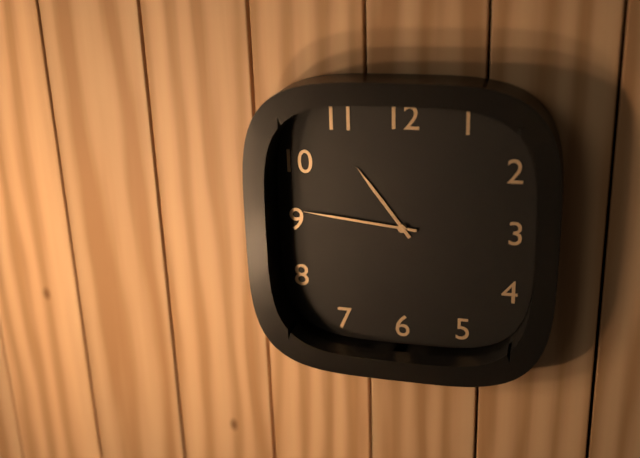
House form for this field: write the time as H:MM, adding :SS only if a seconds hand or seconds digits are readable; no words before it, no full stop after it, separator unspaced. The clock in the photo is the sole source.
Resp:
10:46
